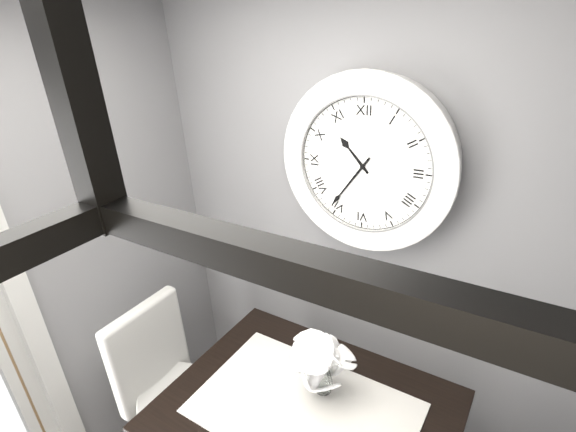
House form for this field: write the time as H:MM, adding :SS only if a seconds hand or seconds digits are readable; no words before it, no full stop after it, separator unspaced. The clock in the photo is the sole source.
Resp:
10:36
